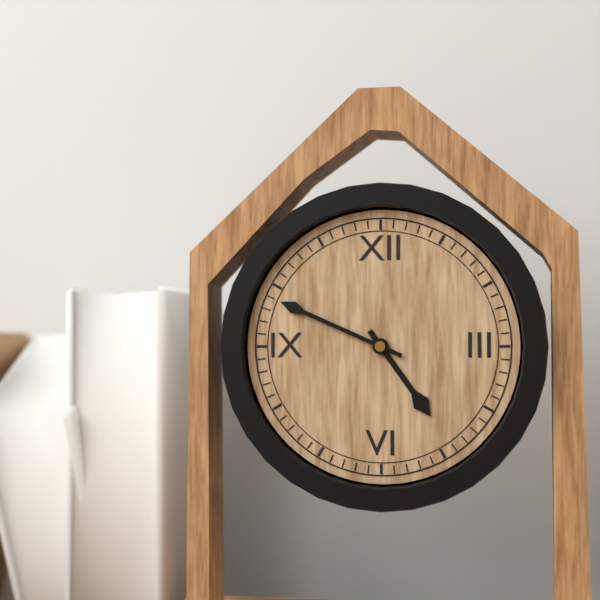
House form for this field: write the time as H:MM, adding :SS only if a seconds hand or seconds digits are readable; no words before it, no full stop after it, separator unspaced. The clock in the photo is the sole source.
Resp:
4:49
